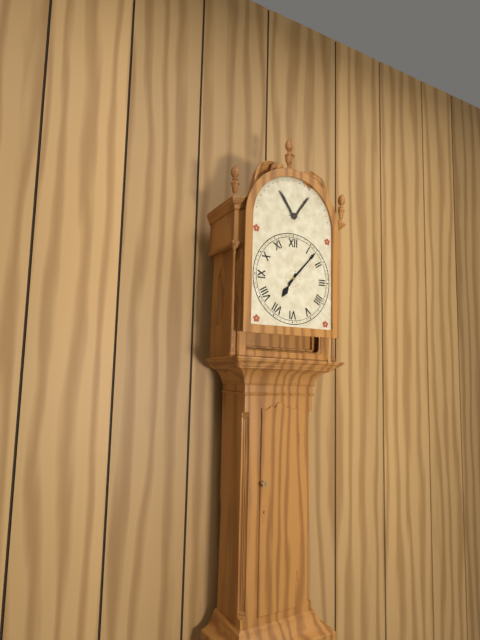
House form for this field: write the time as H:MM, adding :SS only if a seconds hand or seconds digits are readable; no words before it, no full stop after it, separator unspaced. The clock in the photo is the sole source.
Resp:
7:07
